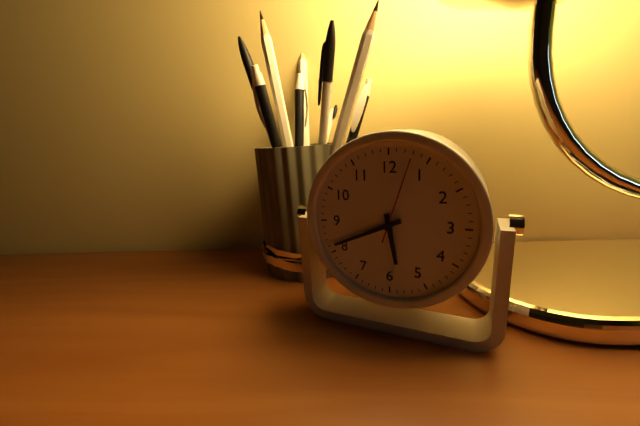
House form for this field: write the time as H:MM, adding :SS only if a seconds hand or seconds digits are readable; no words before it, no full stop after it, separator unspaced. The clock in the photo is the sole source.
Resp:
5:41:03
